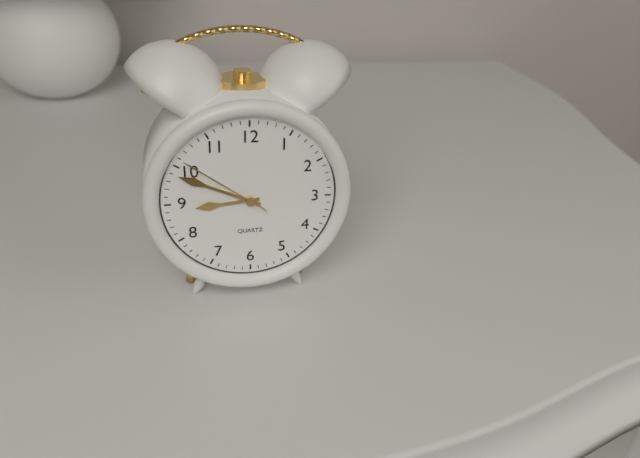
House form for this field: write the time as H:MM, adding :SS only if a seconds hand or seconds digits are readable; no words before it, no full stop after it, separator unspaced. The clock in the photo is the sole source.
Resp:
8:49:51
